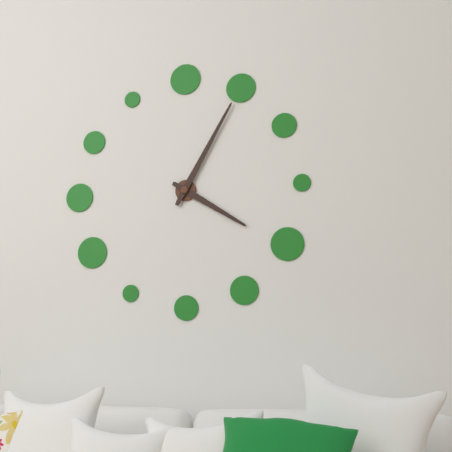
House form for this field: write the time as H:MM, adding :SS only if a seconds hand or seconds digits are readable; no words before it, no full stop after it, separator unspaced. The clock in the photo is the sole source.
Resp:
4:05
